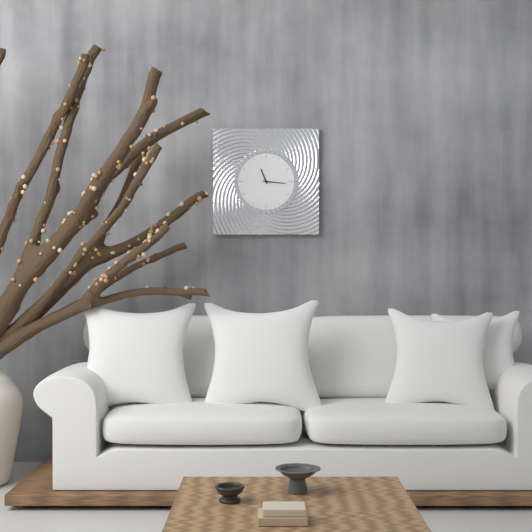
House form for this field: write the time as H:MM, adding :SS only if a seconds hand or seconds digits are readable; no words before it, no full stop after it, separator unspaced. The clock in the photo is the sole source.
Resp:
11:16
